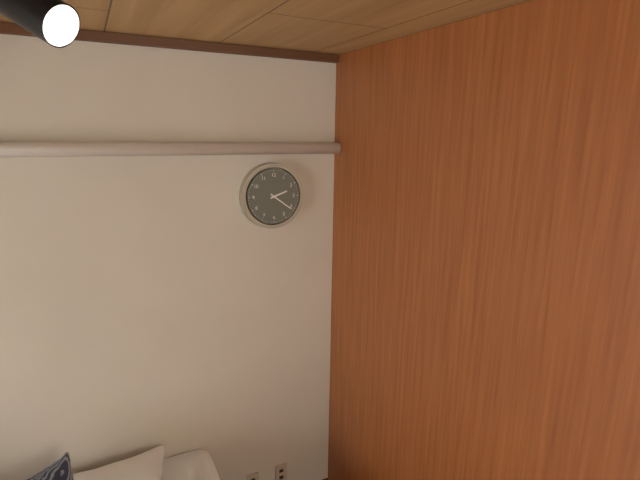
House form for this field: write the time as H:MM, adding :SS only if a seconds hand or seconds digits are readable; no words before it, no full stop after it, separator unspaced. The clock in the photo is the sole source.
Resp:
2:21
